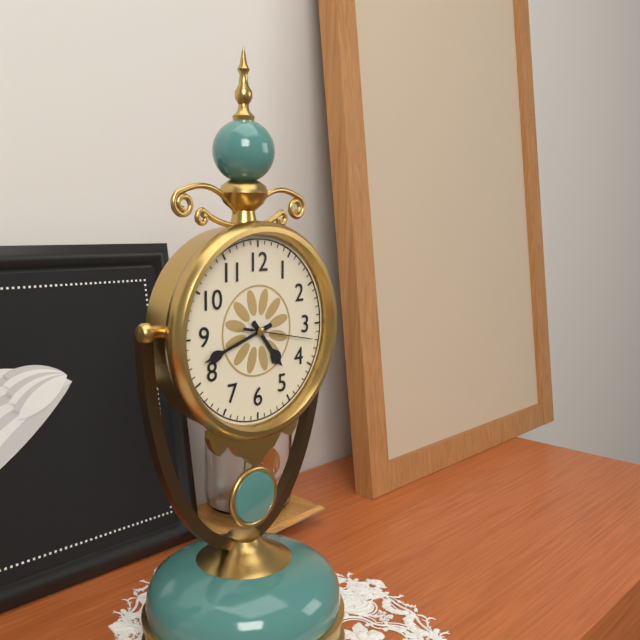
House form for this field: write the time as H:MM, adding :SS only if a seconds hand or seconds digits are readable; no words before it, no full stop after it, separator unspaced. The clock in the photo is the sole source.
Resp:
4:42:17
